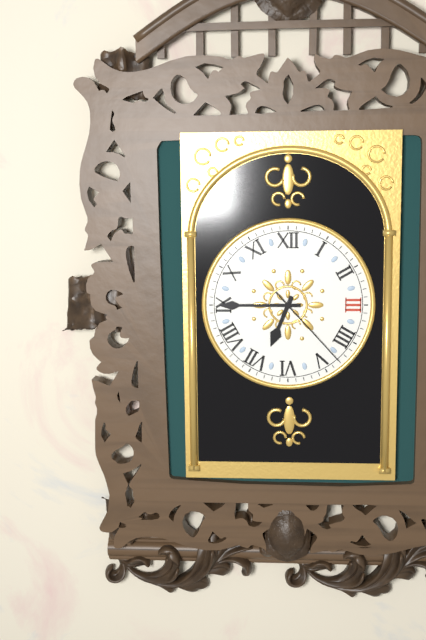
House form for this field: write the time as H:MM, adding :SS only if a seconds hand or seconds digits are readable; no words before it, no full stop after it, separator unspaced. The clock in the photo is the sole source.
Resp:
6:45:23
